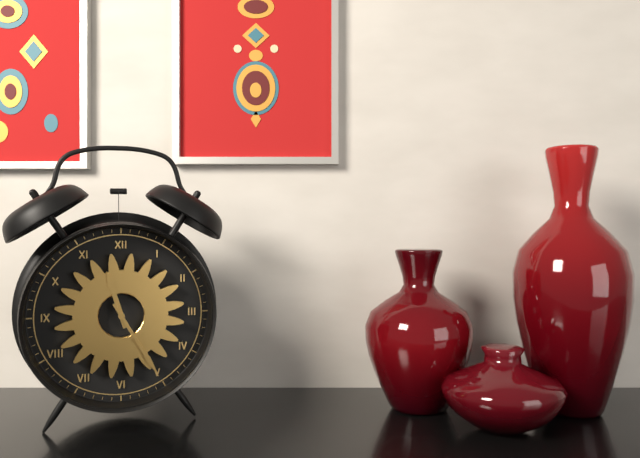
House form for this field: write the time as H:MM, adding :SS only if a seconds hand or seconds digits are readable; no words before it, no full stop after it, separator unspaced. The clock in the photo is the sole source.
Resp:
11:25
